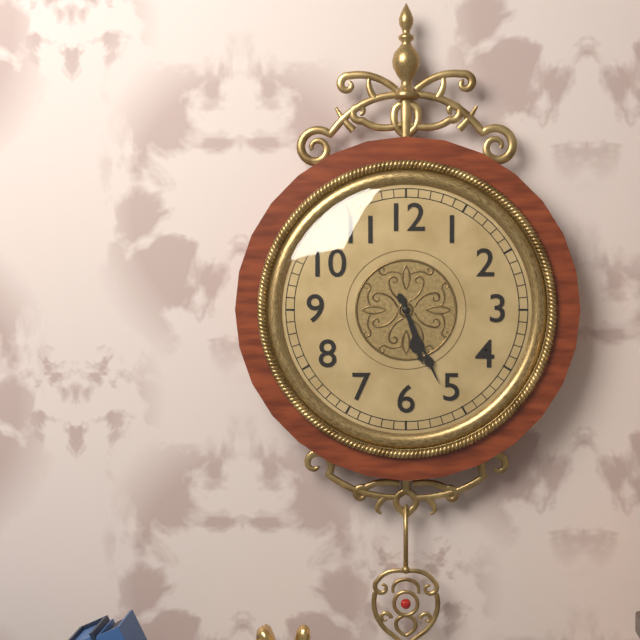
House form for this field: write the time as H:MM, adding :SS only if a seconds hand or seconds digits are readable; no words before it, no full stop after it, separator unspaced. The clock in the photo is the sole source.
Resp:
5:26
